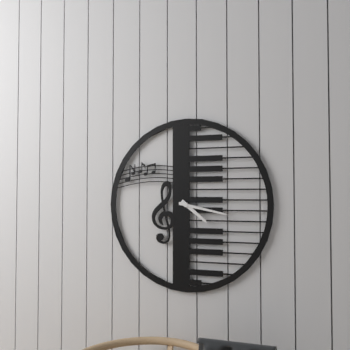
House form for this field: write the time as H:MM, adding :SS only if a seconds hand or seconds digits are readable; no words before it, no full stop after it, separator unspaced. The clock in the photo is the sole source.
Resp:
4:17
